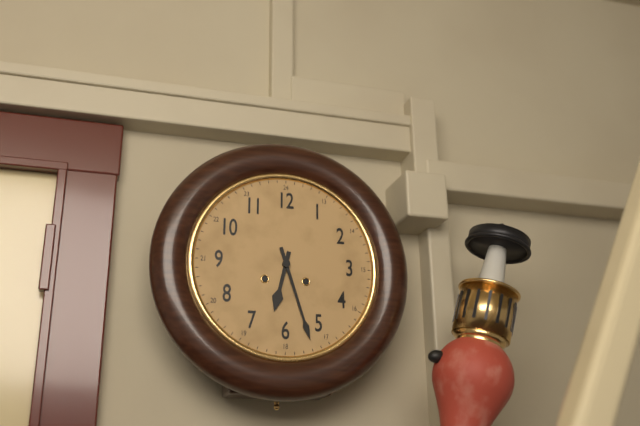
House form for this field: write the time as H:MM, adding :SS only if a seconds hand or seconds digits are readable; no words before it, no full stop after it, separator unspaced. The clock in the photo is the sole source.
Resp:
6:27
